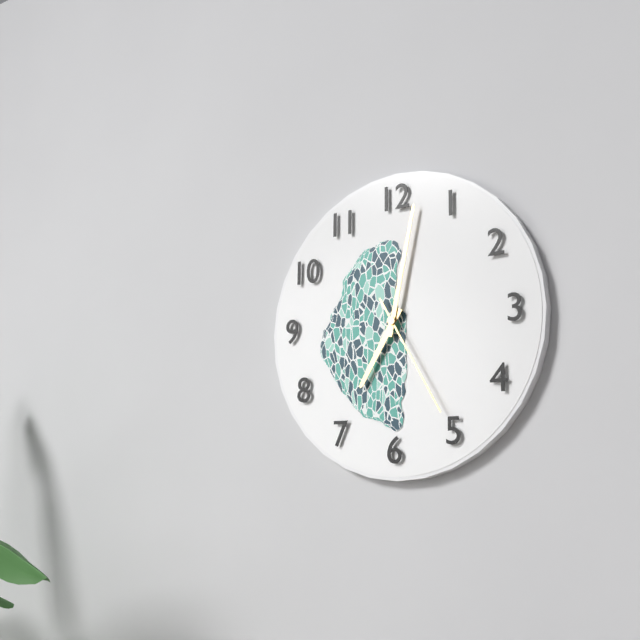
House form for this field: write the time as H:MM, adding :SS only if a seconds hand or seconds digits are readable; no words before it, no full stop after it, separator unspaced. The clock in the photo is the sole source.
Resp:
7:02:25
